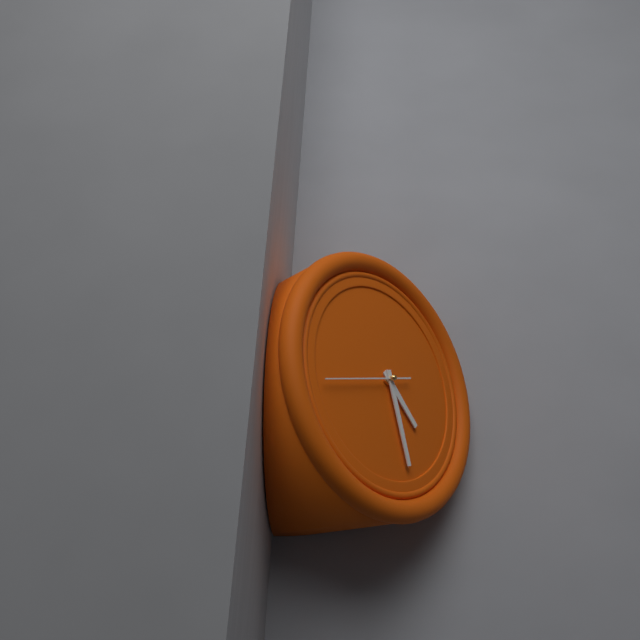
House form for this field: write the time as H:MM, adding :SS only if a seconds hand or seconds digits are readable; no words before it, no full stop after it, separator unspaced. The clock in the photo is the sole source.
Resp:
4:27:42
